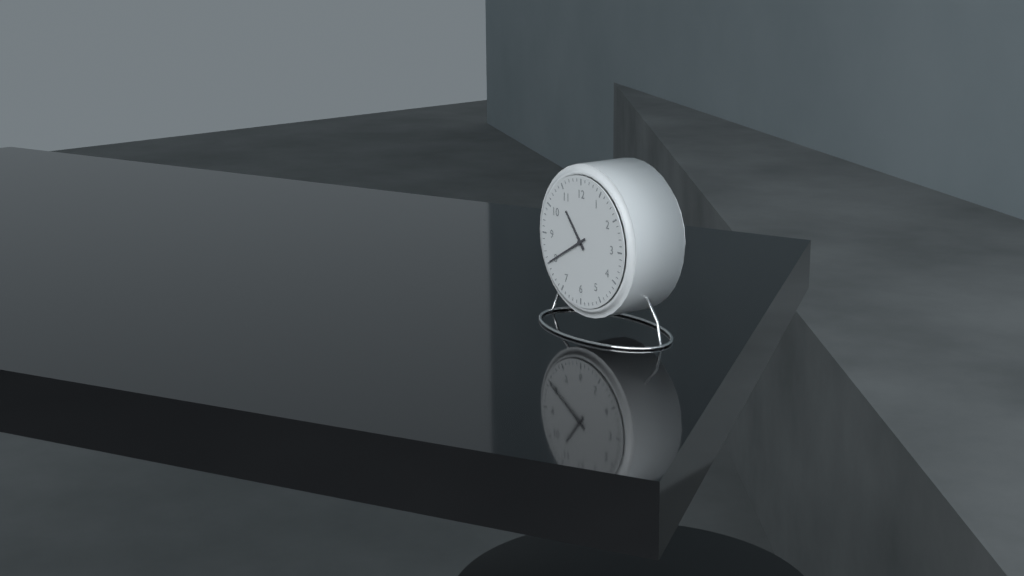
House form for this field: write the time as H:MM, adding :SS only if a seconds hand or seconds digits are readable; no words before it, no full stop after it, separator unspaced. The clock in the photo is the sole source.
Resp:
10:40
